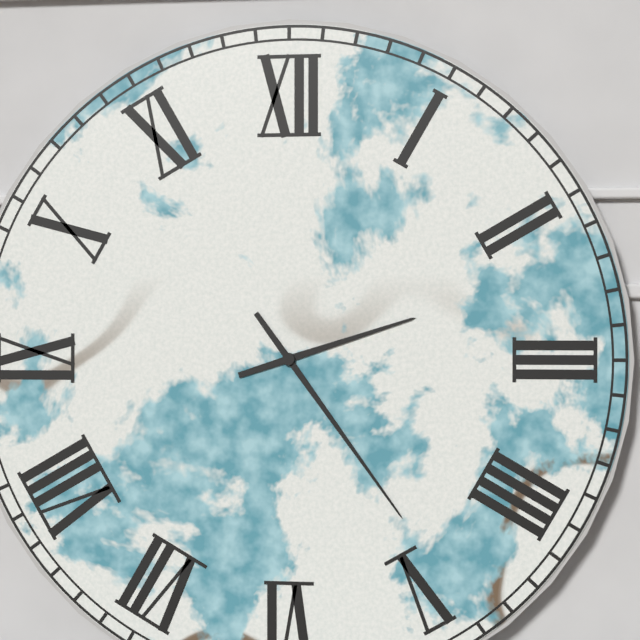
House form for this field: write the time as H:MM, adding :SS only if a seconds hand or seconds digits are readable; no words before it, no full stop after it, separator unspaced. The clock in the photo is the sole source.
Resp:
2:24
